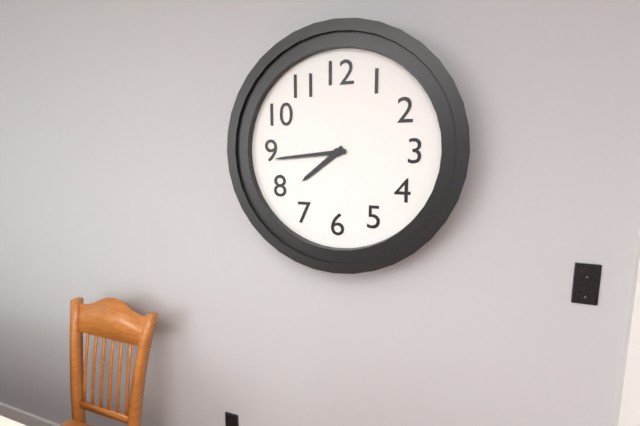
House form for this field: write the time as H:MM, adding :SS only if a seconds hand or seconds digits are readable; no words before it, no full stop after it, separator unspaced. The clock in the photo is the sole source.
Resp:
7:44
